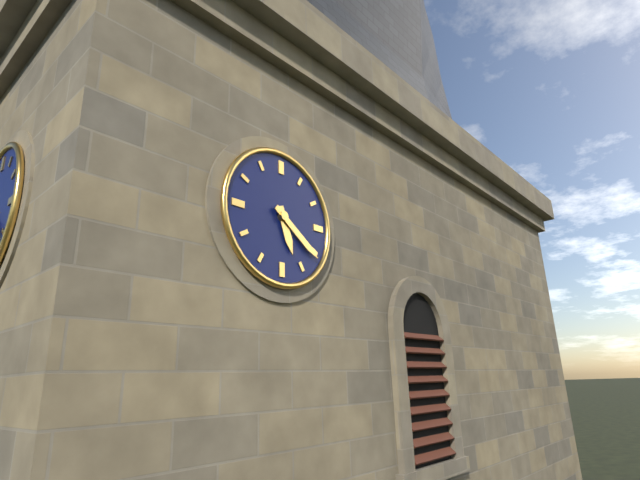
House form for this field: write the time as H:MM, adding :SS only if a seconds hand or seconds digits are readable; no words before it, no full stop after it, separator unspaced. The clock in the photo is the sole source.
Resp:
5:21
